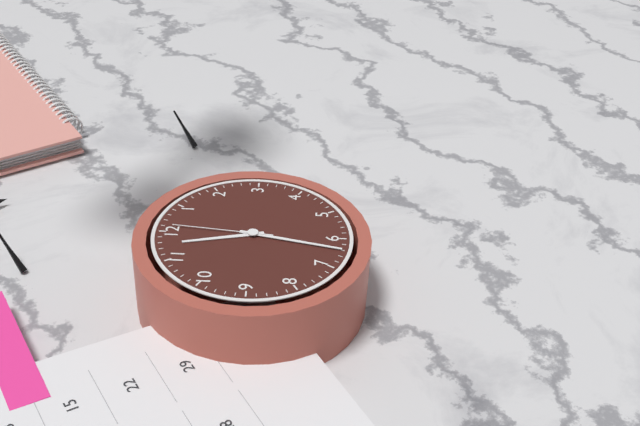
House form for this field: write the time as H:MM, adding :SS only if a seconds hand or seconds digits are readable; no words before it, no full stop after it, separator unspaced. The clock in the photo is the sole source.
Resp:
11:32:01
